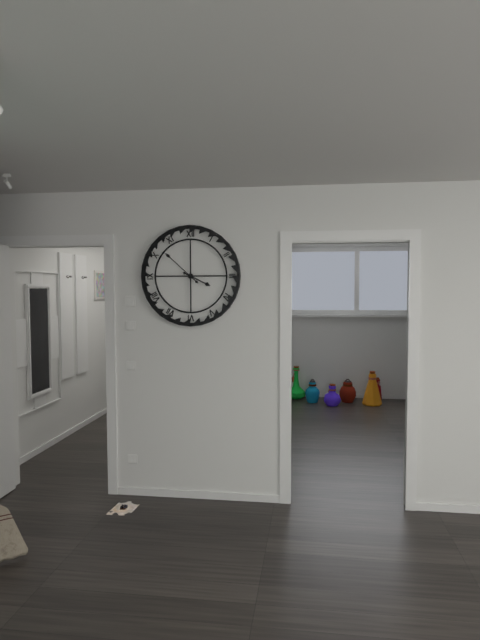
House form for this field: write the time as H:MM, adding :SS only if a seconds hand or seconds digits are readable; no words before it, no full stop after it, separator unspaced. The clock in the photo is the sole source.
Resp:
3:52
